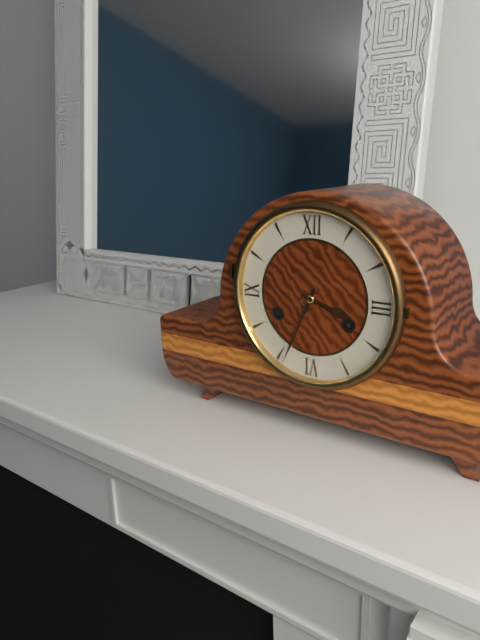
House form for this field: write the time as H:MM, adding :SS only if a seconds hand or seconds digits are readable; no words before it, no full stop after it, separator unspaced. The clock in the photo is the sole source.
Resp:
3:34
